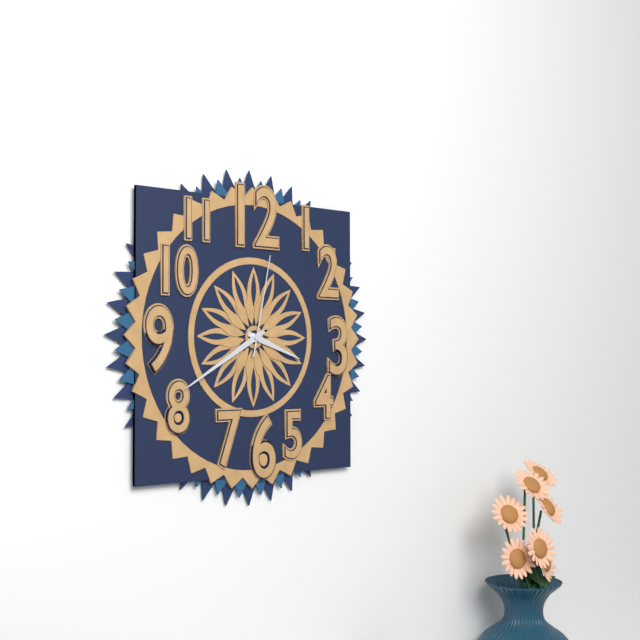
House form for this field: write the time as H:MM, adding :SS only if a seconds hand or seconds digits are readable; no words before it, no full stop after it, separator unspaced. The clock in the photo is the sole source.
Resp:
3:40:02
